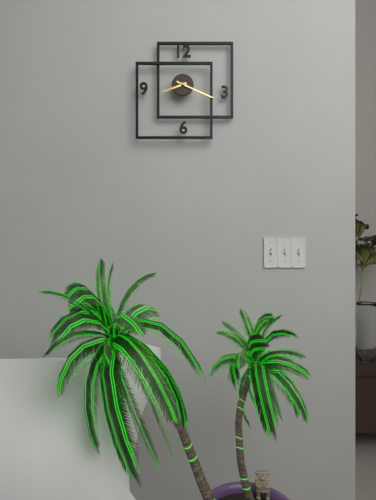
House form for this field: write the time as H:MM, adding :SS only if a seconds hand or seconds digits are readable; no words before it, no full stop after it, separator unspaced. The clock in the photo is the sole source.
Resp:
8:19
